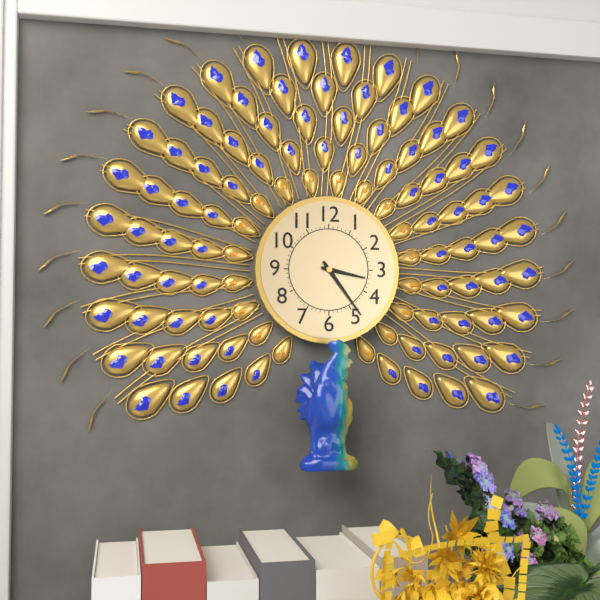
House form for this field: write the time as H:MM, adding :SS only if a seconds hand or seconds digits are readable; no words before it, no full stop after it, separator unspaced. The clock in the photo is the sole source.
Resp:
3:24
